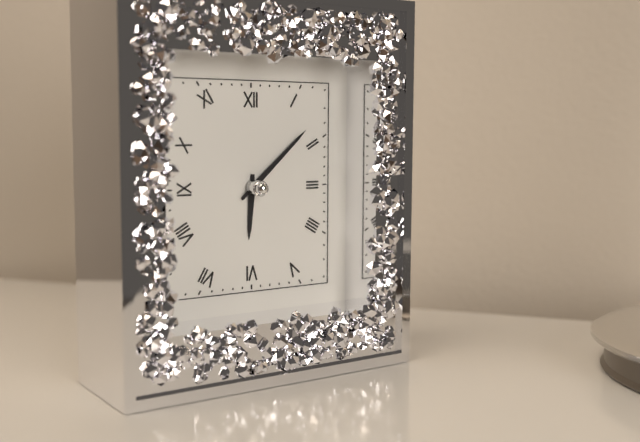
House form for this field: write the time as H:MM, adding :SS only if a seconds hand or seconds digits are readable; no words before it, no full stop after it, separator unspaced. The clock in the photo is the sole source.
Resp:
6:08
